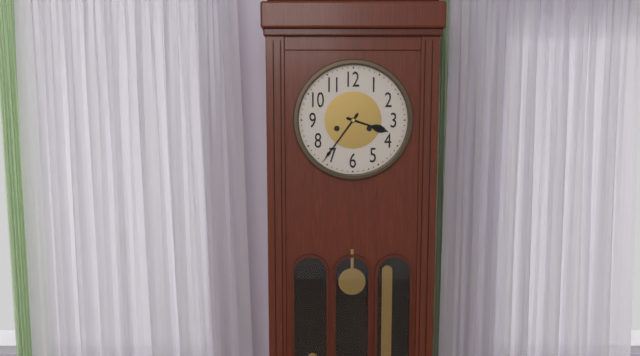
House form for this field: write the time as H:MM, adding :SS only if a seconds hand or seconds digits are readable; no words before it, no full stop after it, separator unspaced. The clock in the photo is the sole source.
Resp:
3:36
